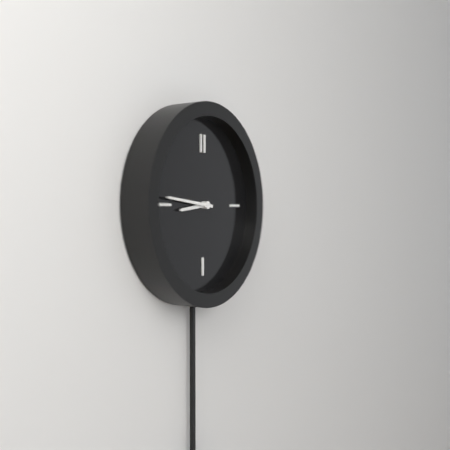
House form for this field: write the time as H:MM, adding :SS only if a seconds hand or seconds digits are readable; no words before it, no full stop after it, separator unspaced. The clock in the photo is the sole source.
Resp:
8:46
